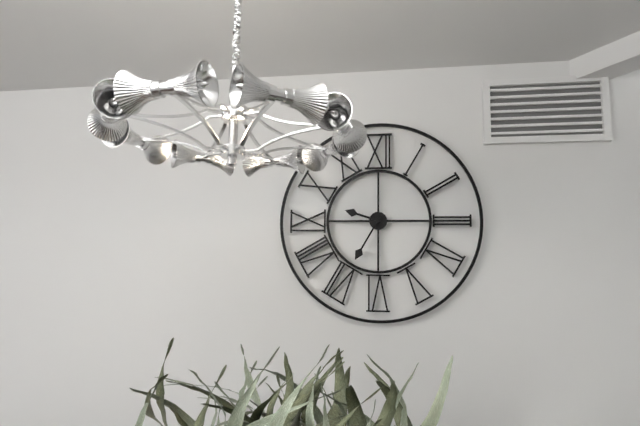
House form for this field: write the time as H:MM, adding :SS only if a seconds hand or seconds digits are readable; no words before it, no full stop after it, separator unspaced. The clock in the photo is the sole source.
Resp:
9:35
